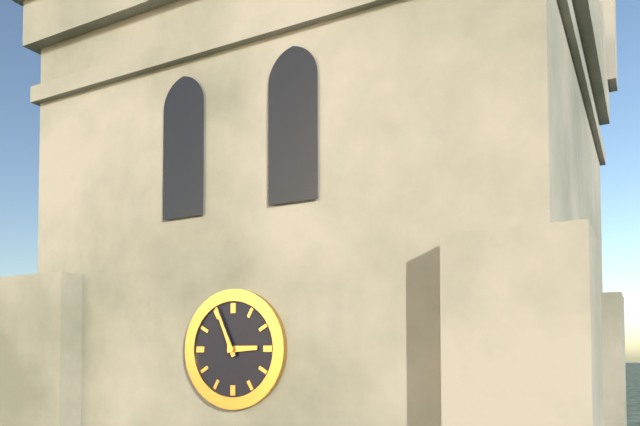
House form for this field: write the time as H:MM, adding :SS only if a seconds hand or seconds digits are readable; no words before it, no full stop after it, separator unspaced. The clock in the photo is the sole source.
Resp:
2:56
